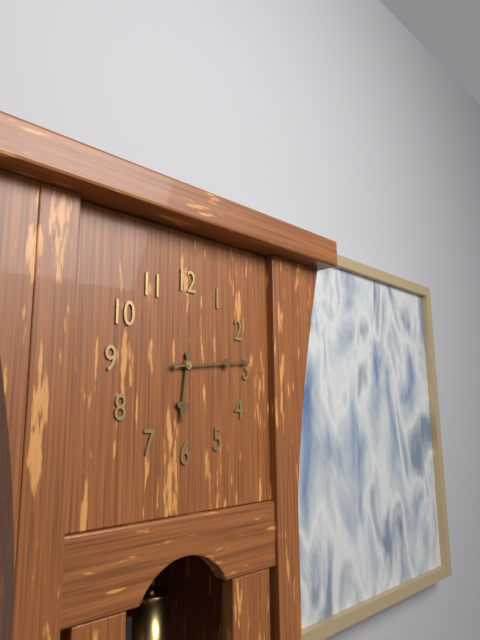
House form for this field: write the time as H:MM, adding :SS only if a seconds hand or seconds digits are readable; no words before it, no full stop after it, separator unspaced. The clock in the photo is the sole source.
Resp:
6:14
